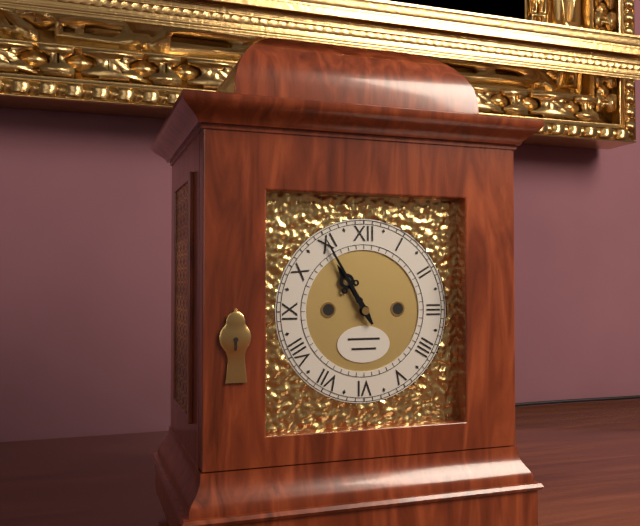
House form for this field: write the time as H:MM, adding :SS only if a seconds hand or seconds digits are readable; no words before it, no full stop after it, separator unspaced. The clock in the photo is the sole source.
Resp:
10:55
